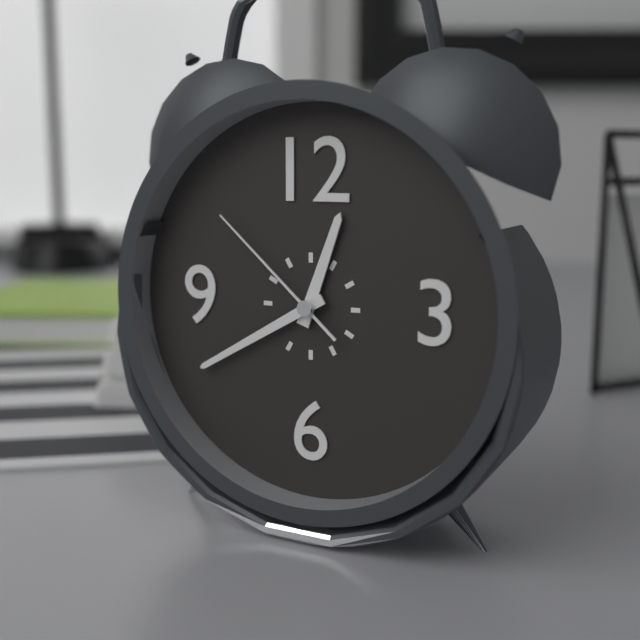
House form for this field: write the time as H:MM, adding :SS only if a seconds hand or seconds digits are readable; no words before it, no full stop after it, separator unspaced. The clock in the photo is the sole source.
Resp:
12:40:52
